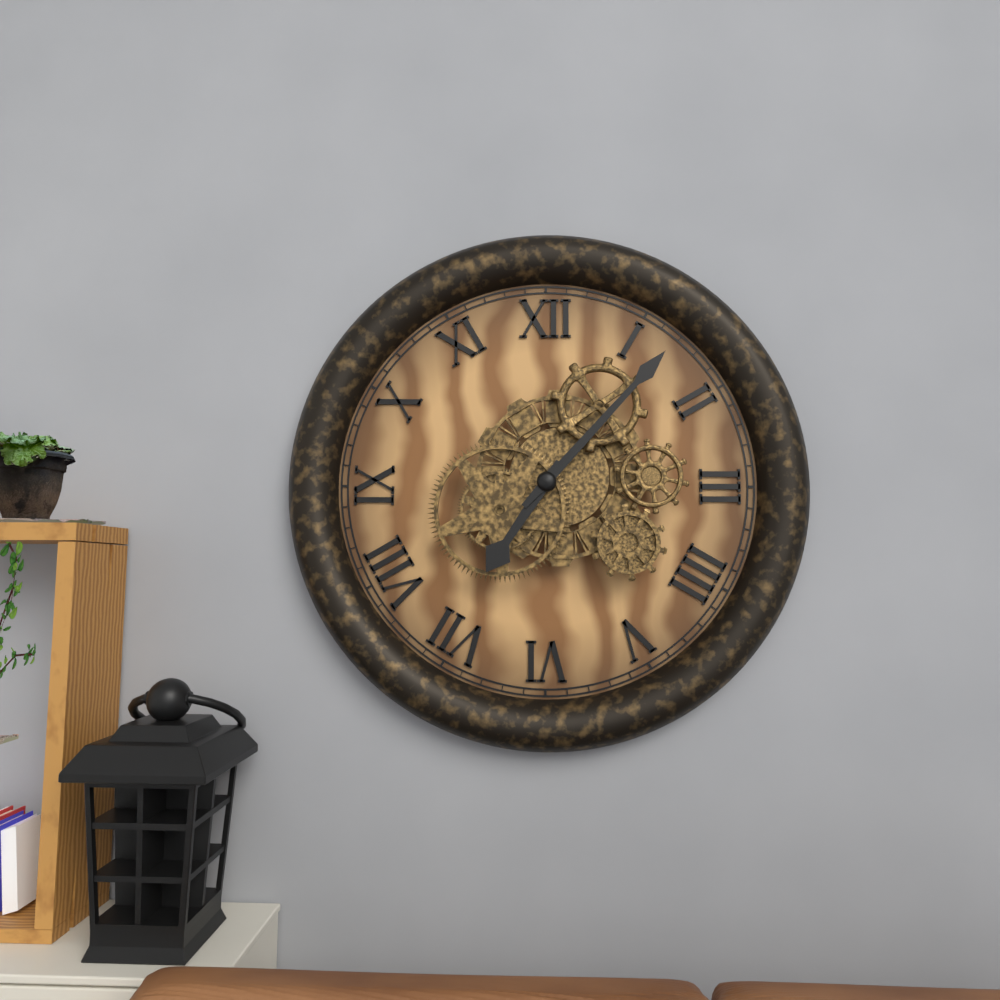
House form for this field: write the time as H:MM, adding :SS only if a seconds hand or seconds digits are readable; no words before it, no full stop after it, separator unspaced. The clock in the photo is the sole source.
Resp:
7:07
